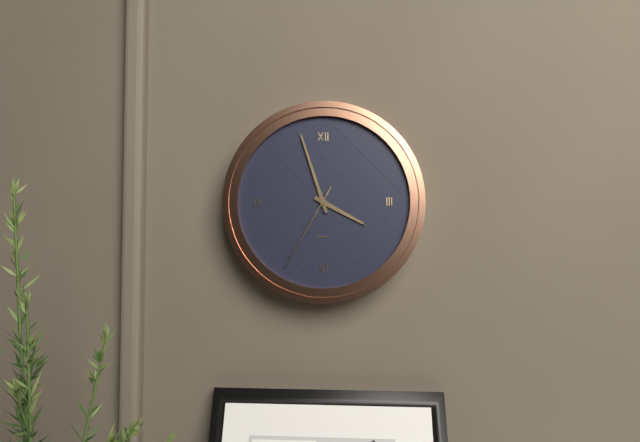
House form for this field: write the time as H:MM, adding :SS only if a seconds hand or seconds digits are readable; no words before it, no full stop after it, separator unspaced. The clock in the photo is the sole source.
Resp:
3:57:35
